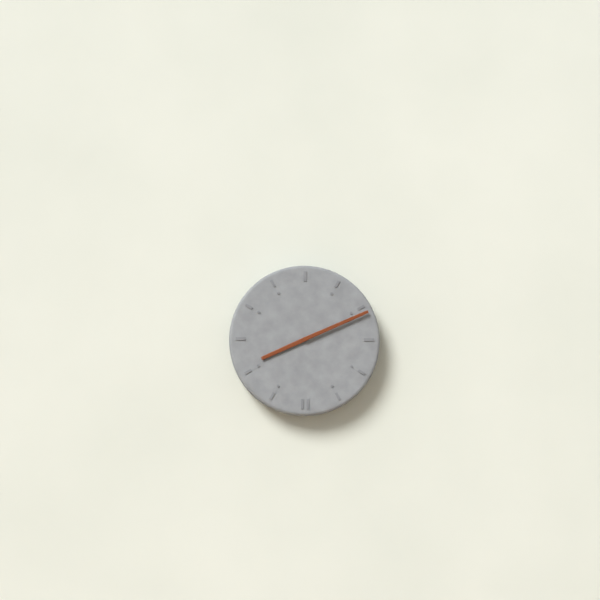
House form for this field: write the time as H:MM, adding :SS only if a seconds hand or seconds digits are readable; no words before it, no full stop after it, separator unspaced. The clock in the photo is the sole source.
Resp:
8:11
